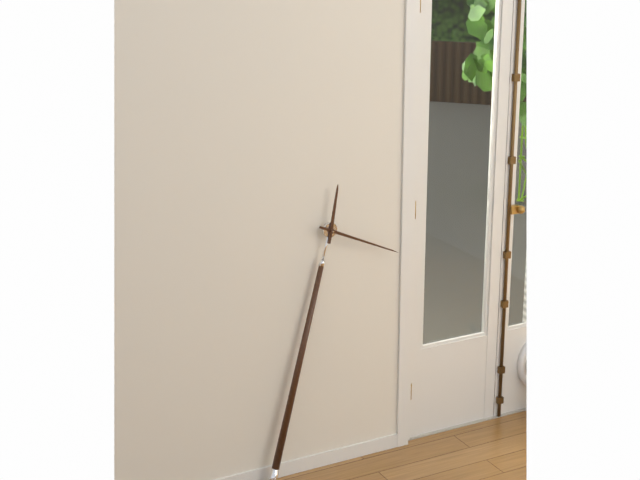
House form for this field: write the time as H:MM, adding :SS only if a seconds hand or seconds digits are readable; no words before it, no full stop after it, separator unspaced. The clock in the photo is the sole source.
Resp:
12:19
